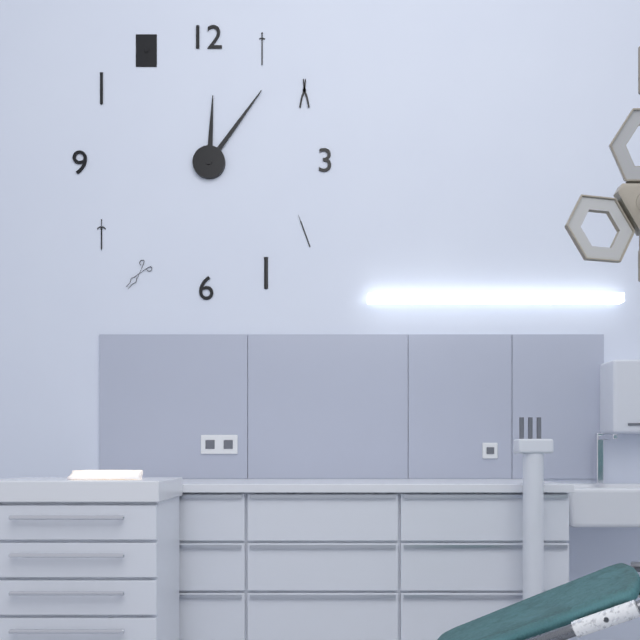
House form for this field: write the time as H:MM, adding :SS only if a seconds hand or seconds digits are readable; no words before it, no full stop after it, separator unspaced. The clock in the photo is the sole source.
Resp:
12:06
